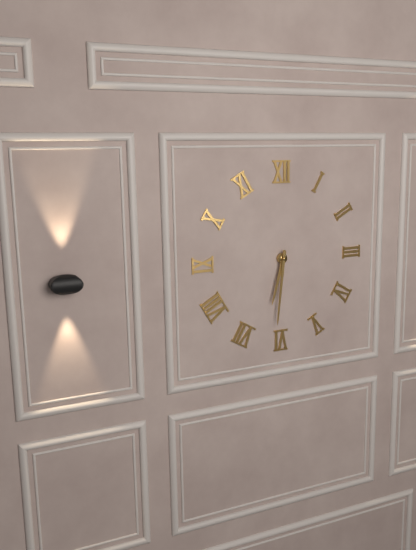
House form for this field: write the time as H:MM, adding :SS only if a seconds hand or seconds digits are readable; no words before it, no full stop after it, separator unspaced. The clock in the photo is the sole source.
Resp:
6:31
